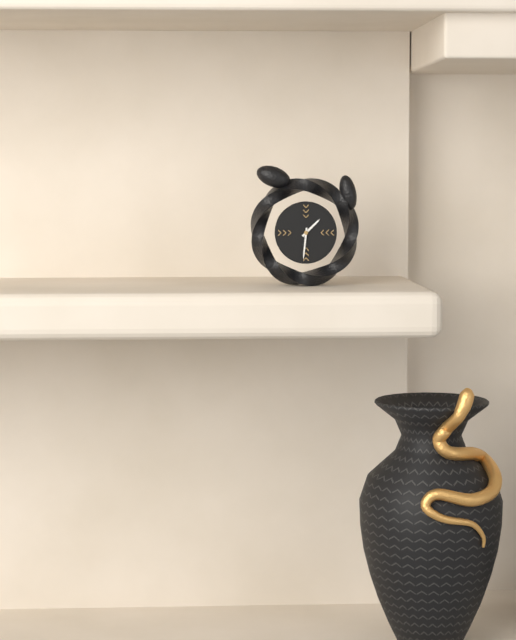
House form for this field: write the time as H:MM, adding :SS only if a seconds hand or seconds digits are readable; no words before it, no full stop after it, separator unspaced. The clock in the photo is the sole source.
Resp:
1:31
